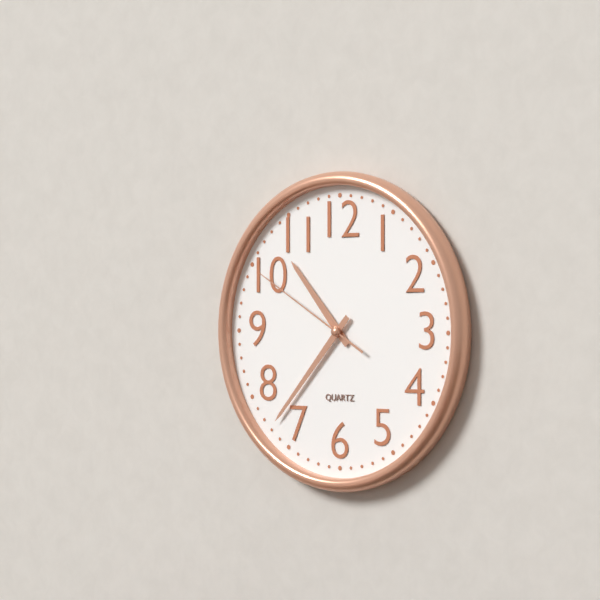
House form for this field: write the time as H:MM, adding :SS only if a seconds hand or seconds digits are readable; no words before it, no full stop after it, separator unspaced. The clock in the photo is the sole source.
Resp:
10:37:50
